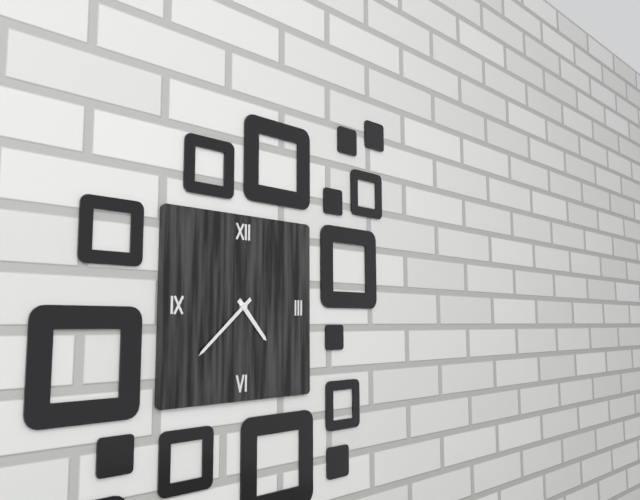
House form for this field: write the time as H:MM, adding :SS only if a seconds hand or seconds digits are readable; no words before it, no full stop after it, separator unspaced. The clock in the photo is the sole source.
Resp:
4:38
